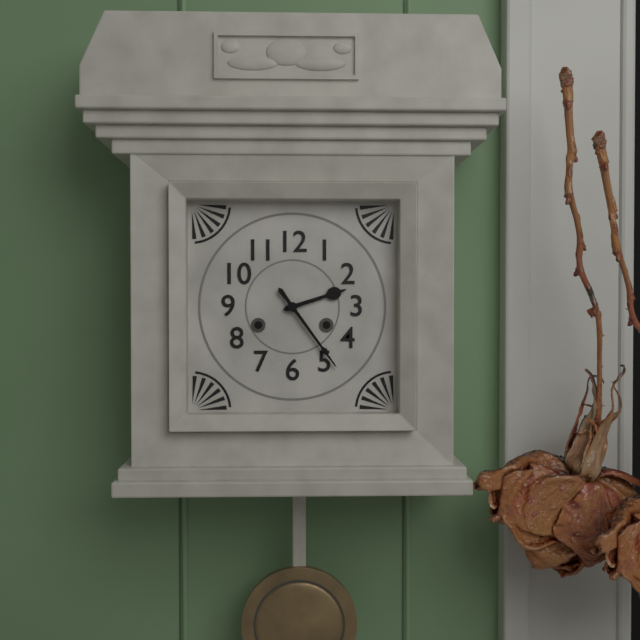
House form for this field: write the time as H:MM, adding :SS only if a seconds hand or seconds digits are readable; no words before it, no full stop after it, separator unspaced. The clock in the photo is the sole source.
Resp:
2:24
